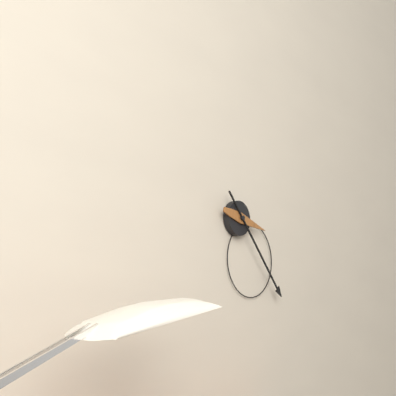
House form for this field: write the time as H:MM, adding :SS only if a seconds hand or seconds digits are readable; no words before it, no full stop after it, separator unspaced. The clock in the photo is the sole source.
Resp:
3:23
